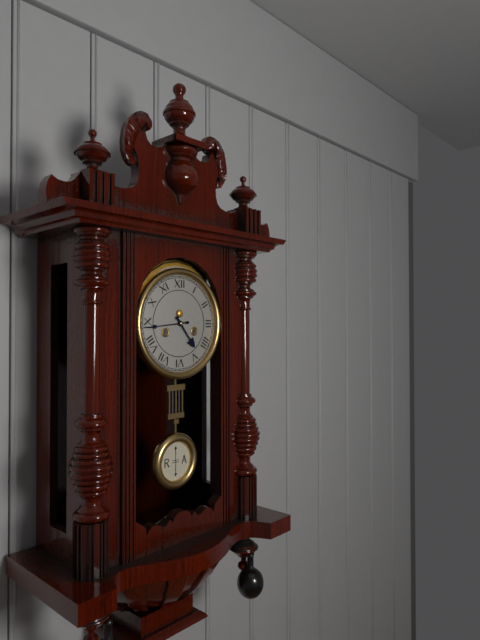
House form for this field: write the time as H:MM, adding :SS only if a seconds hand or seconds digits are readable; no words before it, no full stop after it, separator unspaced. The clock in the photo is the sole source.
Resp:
4:44
